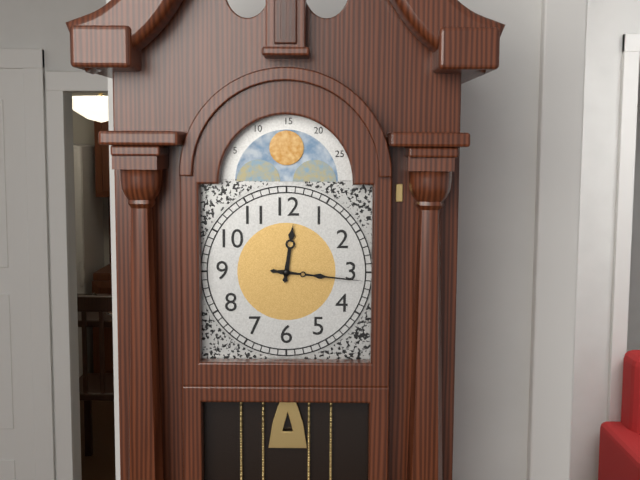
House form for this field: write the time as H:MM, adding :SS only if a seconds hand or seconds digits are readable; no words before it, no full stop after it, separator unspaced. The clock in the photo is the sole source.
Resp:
12:16
